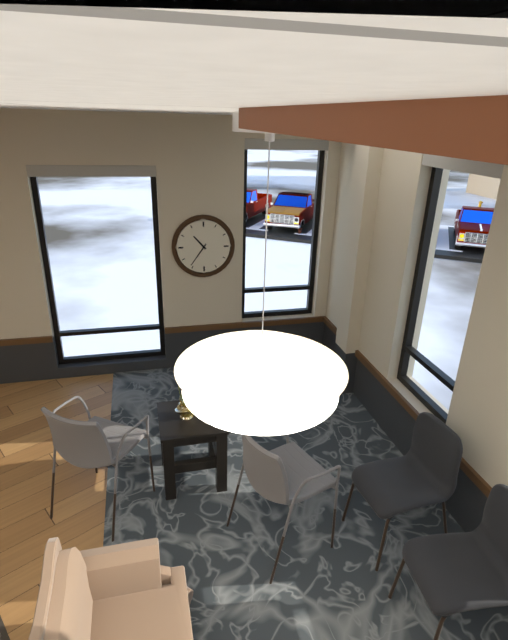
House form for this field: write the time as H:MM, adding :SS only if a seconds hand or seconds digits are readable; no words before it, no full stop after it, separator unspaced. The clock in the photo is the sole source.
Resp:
10:36
